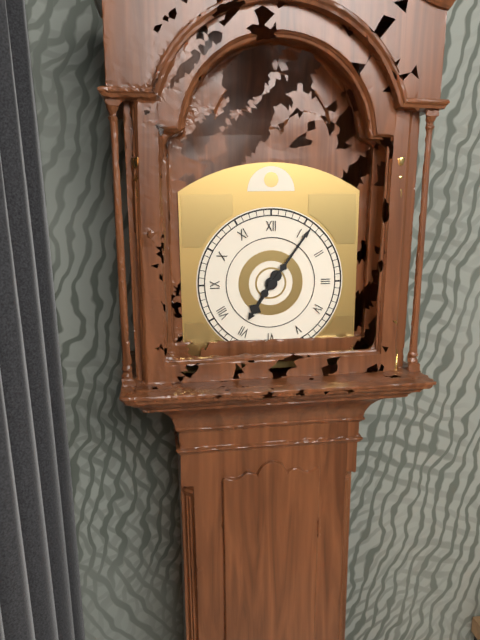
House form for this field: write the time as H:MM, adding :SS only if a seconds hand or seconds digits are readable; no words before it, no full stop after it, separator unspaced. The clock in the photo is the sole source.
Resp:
7:06
